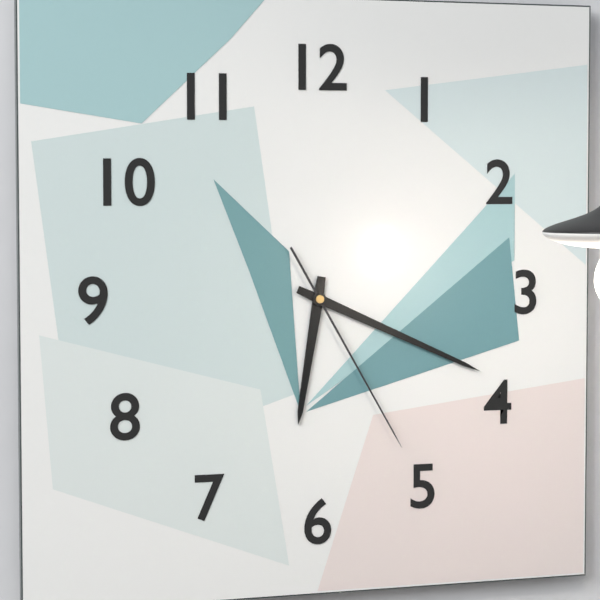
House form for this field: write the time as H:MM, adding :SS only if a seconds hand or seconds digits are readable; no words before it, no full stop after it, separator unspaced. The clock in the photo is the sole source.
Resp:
6:19:25
